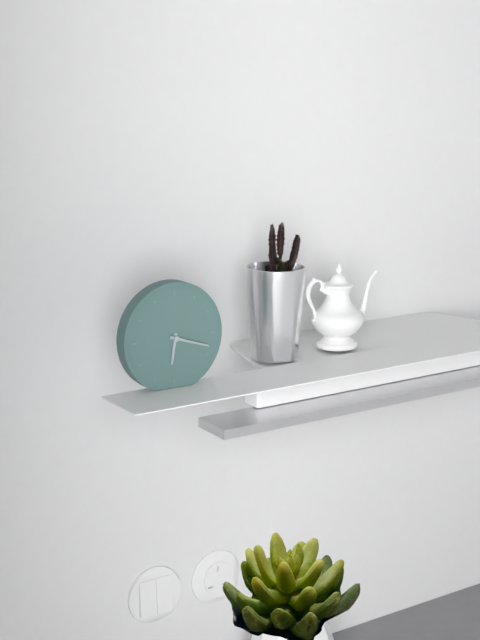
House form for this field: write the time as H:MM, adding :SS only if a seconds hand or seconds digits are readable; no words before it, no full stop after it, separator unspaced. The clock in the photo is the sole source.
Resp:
6:18
